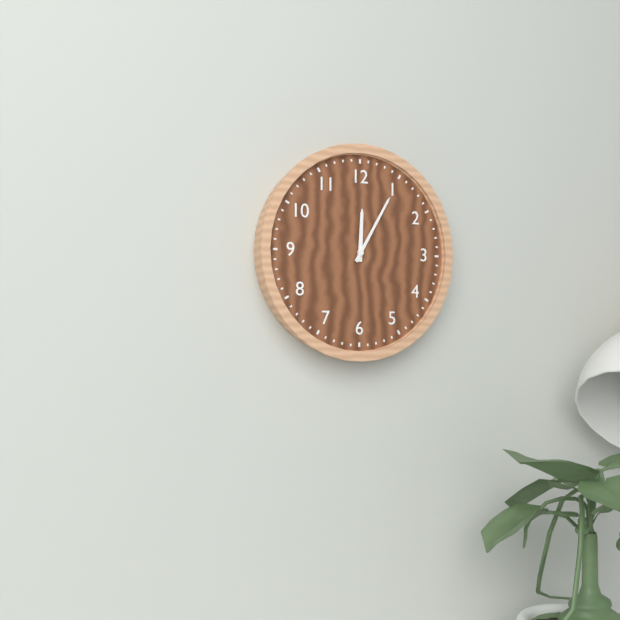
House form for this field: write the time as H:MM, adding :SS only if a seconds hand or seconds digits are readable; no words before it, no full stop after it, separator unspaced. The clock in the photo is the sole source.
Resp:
12:05
